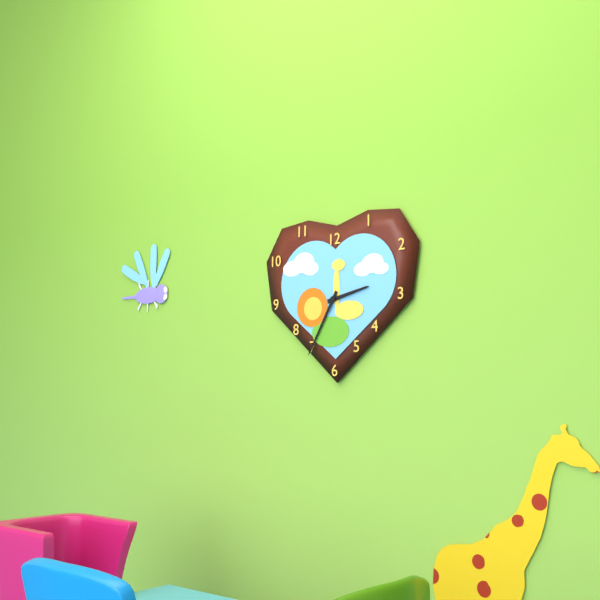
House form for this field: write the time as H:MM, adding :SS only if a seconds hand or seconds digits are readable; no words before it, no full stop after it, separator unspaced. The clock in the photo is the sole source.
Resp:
2:35
